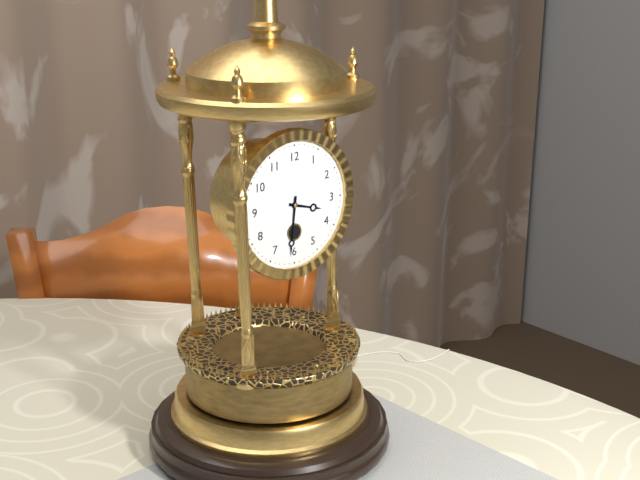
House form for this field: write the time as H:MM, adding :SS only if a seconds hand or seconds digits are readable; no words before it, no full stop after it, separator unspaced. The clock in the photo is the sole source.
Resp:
3:31
